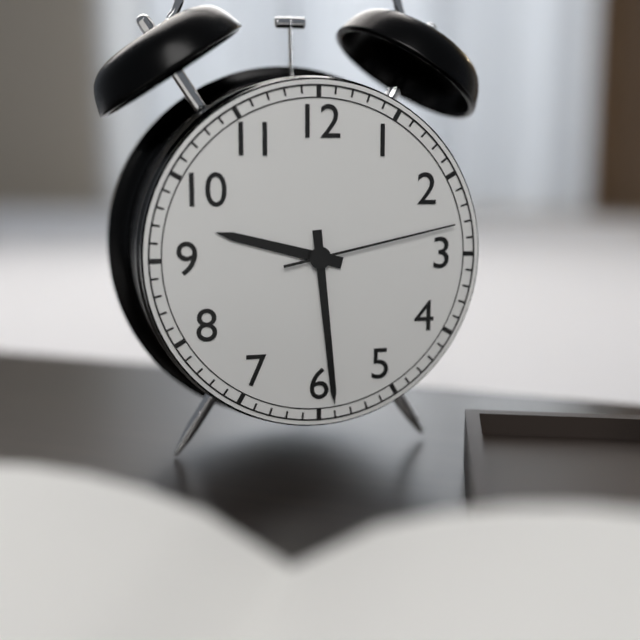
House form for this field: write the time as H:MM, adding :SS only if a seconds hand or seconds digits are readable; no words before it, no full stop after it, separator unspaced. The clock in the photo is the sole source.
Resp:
9:29:13
